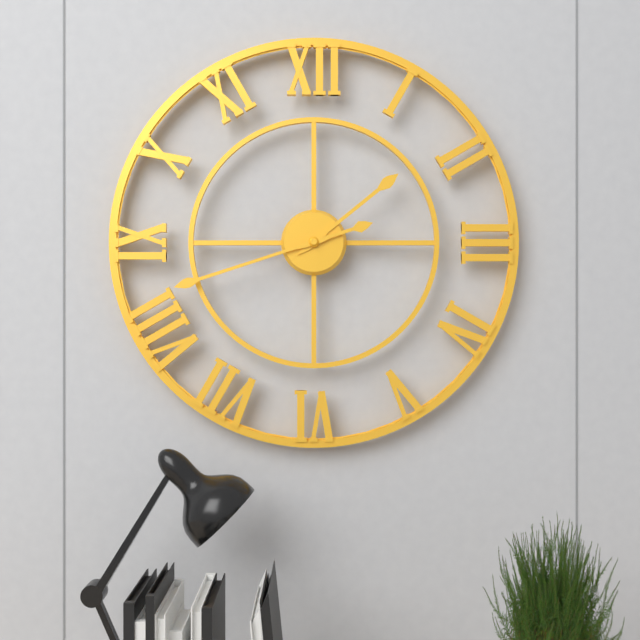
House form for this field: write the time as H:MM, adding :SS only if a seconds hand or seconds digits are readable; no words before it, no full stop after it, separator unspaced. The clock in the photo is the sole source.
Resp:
1:42
